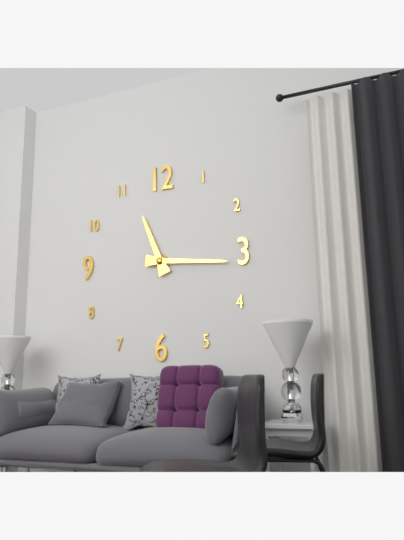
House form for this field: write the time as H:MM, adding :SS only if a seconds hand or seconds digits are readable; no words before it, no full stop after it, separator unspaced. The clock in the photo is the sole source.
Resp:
11:16
